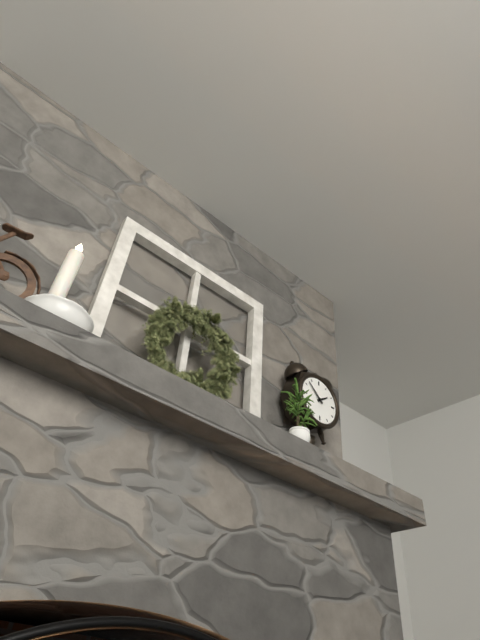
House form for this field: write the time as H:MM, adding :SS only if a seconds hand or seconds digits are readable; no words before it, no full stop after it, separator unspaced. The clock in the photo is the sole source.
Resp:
1:52
